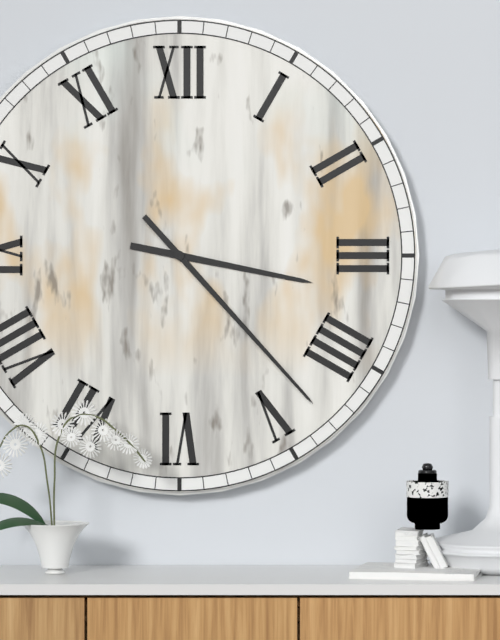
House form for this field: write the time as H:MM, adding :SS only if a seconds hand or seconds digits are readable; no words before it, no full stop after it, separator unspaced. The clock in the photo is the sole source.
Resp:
3:23
